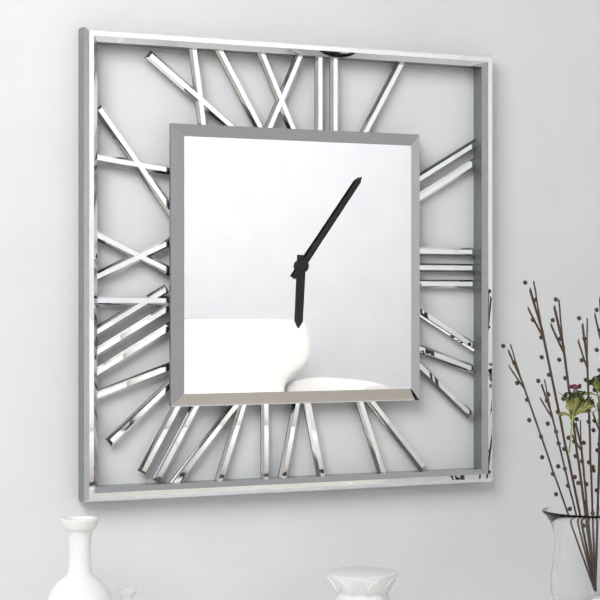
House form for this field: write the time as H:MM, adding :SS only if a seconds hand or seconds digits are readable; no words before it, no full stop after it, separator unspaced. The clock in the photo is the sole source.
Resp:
6:06
